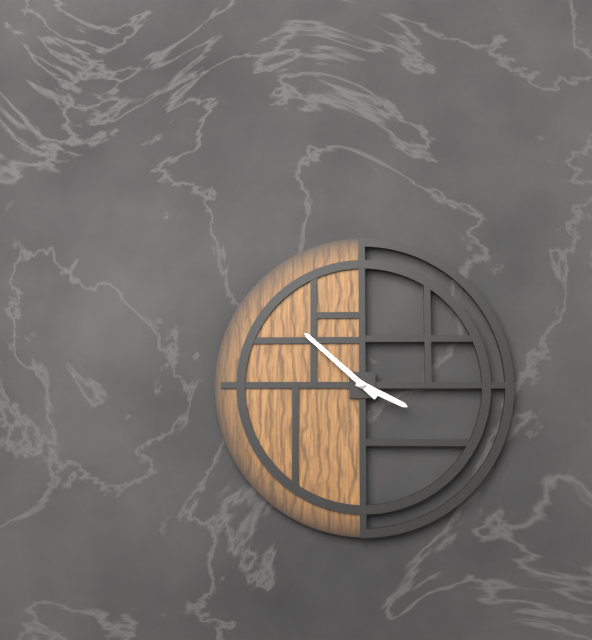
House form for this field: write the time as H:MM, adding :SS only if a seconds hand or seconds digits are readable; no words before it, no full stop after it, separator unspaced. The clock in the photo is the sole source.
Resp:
3:52
